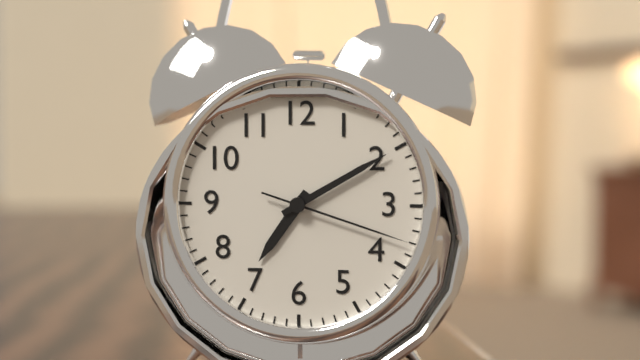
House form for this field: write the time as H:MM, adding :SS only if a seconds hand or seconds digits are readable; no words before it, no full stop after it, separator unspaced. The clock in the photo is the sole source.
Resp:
7:10:18
